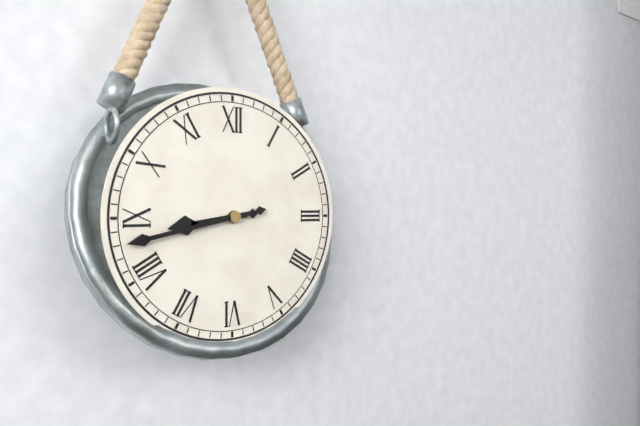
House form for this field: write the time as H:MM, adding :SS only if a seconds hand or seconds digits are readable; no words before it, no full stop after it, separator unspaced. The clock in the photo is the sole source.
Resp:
8:43
